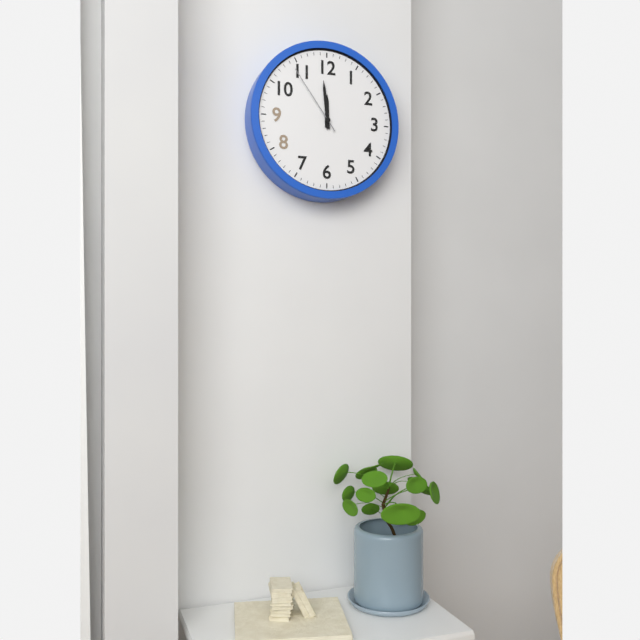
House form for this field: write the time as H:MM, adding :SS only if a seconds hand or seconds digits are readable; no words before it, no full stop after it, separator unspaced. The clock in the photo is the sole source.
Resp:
11:59:54
